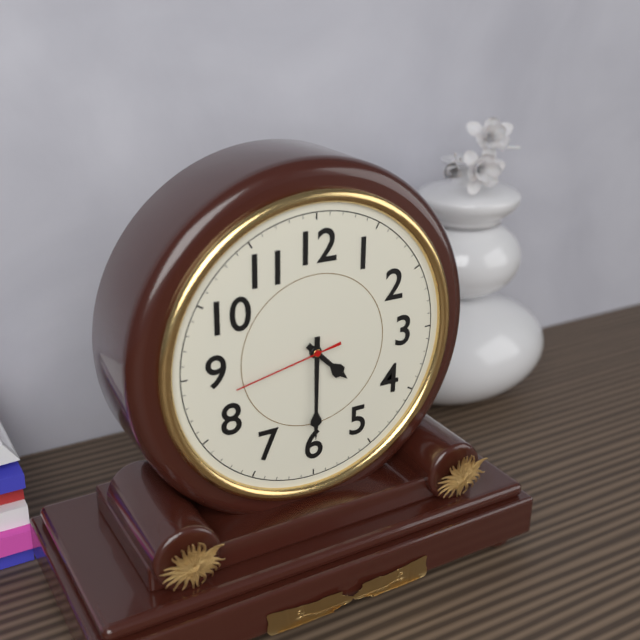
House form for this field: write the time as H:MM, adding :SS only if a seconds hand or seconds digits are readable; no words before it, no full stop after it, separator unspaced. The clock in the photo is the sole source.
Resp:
4:30:43
